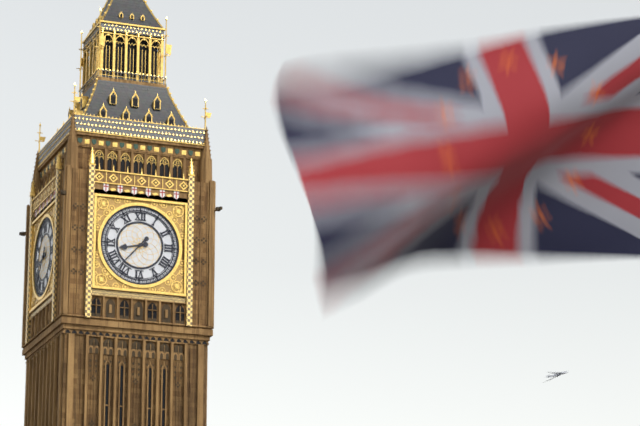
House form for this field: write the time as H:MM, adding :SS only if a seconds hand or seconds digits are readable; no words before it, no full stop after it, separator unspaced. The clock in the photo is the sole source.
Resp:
8:37
